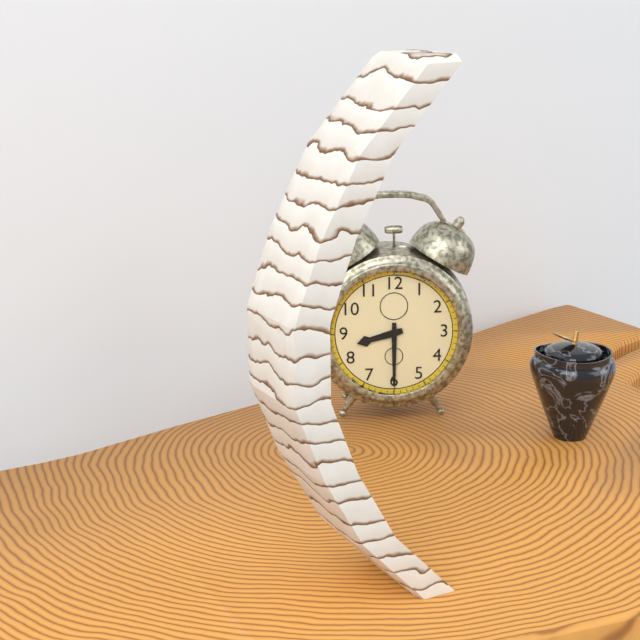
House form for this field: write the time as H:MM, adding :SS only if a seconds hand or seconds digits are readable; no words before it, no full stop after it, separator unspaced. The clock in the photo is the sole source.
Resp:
8:30
